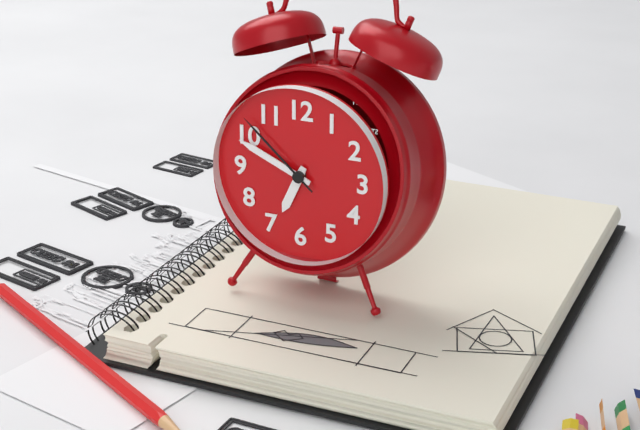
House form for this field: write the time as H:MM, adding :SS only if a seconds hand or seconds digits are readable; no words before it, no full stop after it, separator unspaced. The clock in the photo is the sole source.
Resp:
6:49:52
